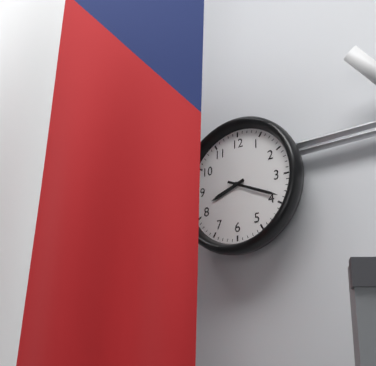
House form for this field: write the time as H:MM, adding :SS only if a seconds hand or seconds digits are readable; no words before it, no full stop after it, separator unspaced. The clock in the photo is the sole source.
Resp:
8:19
